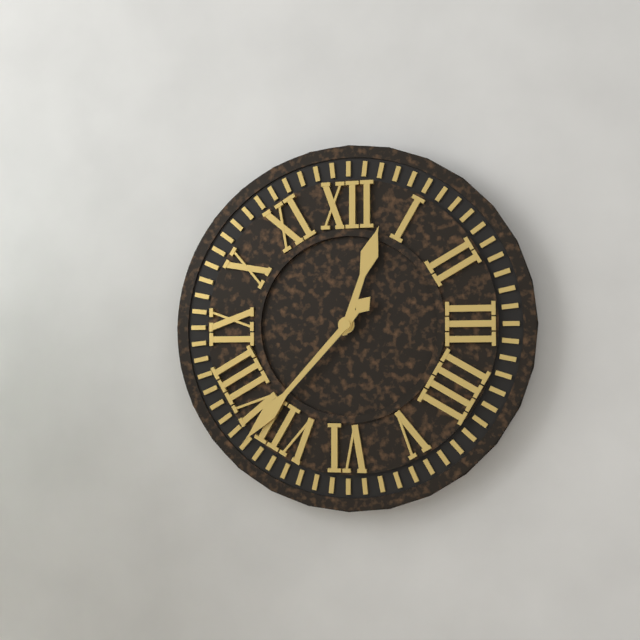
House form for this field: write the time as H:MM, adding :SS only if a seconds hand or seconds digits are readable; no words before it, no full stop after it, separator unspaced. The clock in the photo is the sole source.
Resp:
12:37
